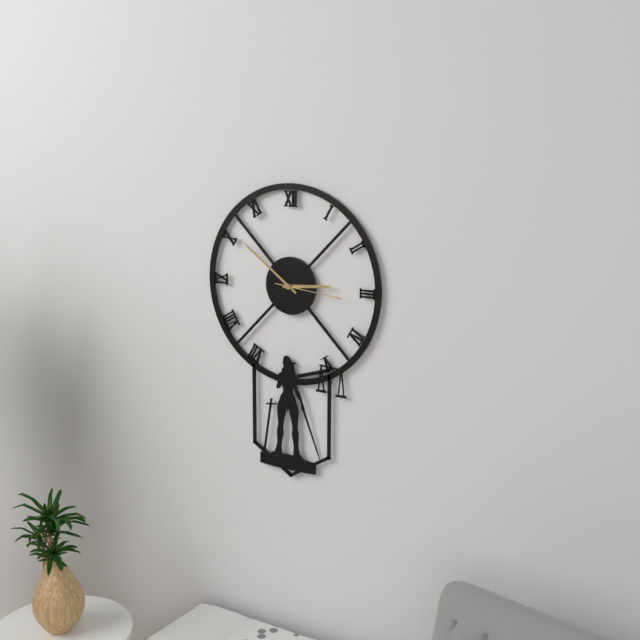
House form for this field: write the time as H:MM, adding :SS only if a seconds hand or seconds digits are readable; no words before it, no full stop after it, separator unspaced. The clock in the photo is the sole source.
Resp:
2:51:16
